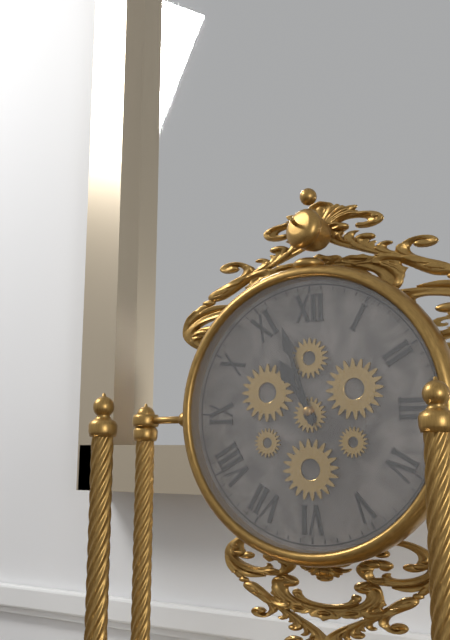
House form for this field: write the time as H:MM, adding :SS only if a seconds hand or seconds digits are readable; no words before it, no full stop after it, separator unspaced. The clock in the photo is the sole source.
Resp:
10:57
